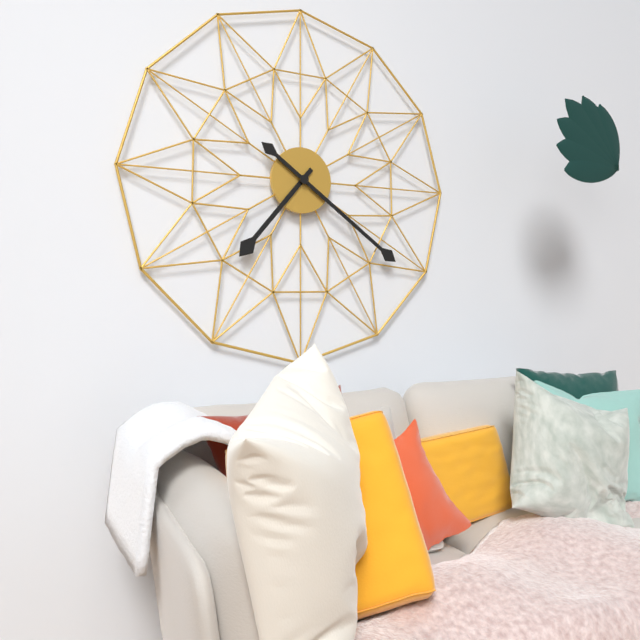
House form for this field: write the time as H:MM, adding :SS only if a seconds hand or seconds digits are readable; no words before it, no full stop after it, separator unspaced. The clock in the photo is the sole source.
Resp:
7:21
